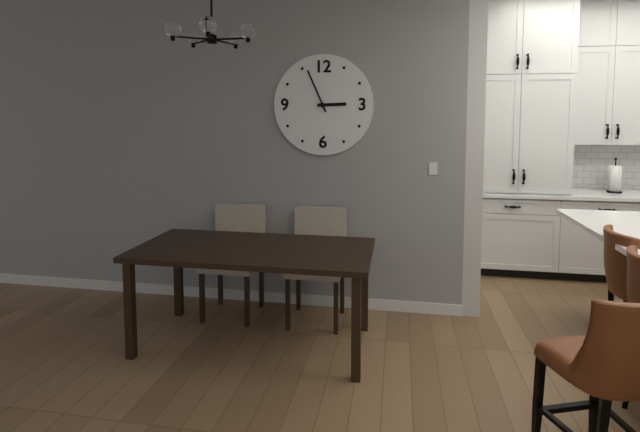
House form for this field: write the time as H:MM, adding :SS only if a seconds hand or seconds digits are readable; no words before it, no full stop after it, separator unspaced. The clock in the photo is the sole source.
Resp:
2:56
